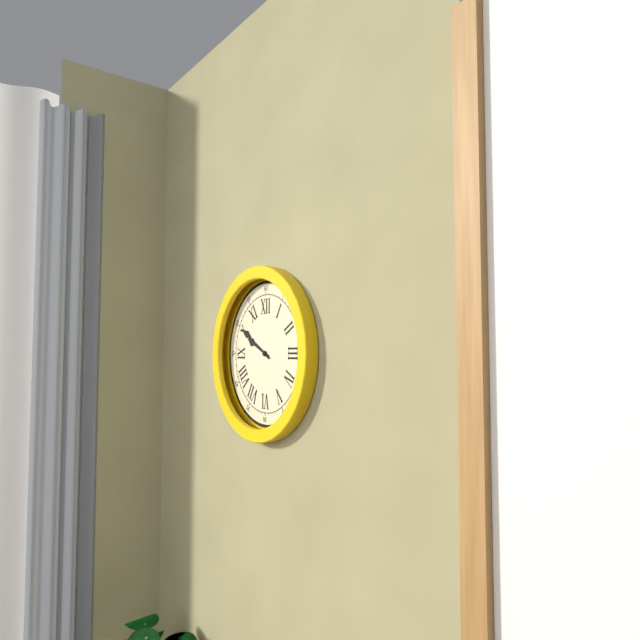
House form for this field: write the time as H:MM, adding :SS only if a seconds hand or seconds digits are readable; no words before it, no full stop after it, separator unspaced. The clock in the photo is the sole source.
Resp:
9:50
